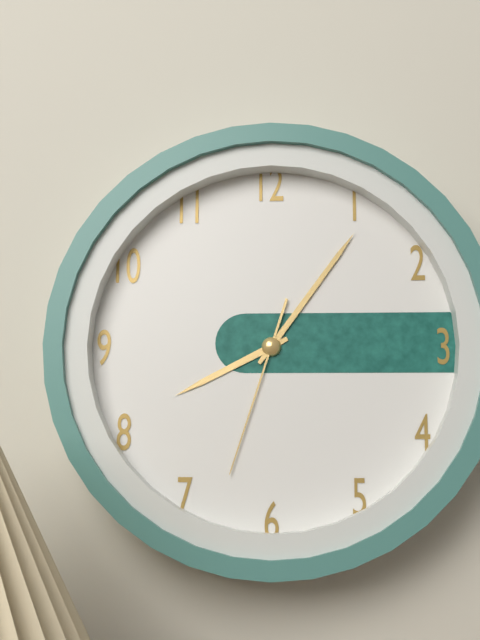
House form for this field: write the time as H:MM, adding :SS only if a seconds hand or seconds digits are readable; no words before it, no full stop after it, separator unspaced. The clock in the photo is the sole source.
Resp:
8:06:33
